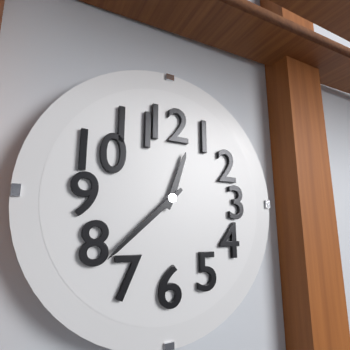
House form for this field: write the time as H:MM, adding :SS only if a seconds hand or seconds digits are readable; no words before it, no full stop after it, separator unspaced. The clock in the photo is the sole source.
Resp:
12:38
